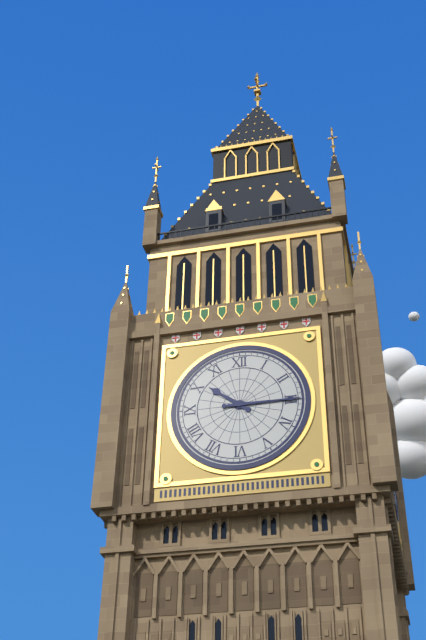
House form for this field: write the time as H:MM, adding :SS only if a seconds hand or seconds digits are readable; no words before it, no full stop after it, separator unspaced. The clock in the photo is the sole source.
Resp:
10:15
